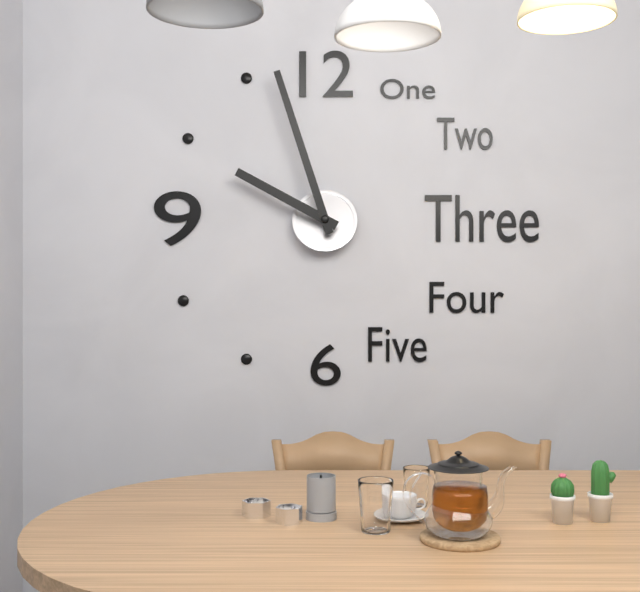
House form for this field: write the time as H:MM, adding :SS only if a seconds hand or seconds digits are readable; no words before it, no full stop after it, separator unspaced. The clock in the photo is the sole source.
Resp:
9:57
